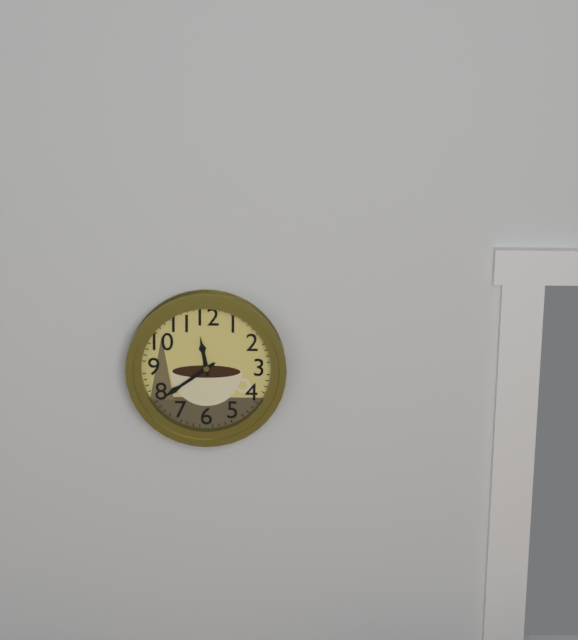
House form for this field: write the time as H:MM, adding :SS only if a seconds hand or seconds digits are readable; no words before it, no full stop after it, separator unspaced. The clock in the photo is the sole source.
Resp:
11:39
